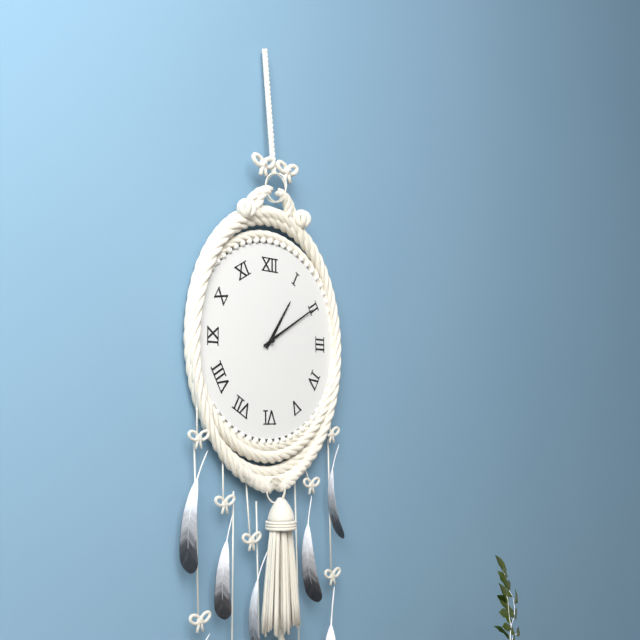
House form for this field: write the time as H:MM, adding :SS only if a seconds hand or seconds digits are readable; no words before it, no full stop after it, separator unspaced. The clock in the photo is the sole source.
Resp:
1:10
